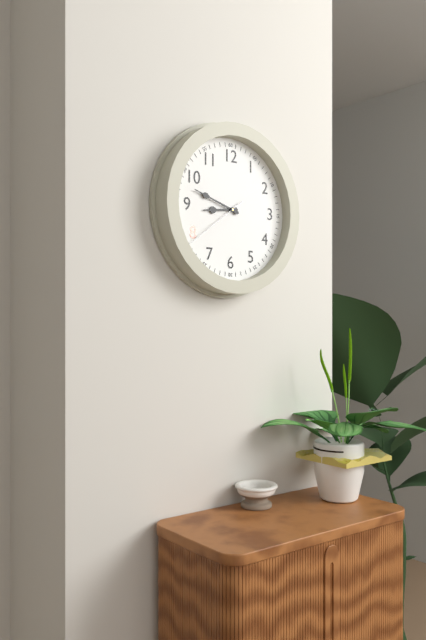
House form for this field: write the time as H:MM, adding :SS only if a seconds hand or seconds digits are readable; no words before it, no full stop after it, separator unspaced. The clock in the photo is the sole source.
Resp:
8:48:39
